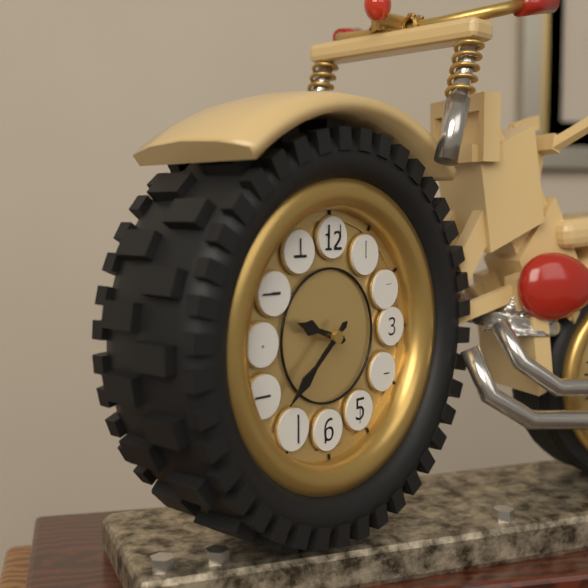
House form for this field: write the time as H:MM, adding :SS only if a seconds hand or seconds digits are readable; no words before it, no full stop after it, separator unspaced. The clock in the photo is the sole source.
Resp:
9:38
